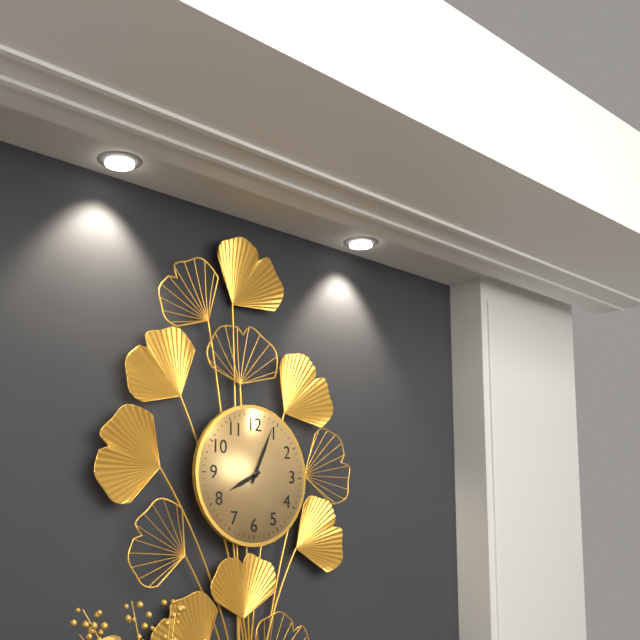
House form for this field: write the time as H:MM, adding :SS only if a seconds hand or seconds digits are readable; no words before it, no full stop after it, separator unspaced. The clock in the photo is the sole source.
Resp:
8:04
